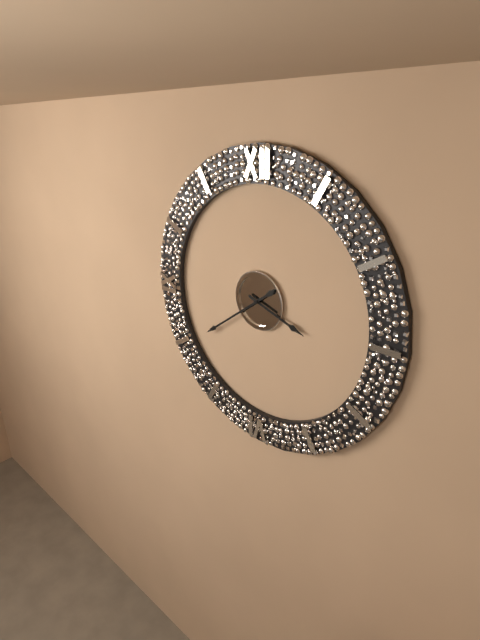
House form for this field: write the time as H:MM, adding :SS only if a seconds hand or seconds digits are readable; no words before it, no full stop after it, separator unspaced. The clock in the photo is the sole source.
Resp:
3:39
